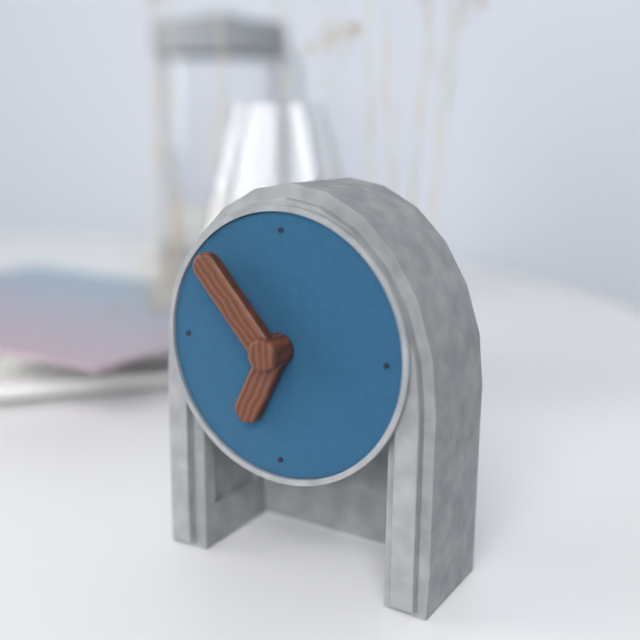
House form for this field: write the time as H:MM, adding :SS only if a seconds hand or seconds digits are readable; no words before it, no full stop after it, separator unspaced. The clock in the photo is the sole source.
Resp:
6:53
